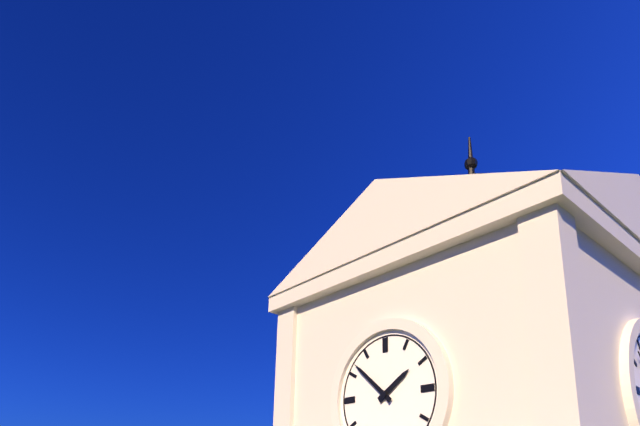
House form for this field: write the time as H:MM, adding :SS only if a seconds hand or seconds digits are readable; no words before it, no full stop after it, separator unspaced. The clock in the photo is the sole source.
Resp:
1:52
